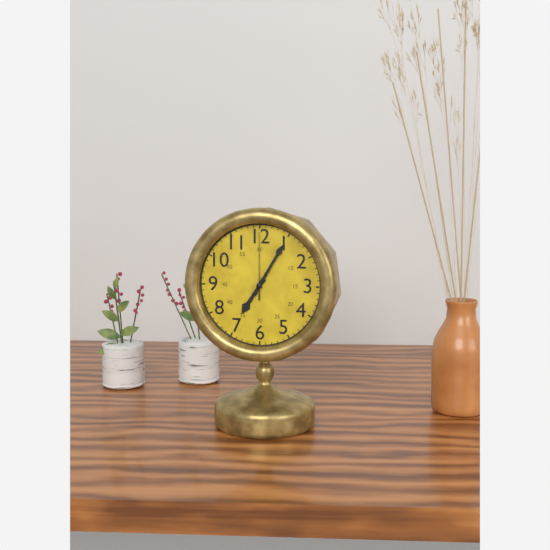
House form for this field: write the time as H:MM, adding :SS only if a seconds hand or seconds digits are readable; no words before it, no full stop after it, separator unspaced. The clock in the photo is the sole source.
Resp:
7:05:00
